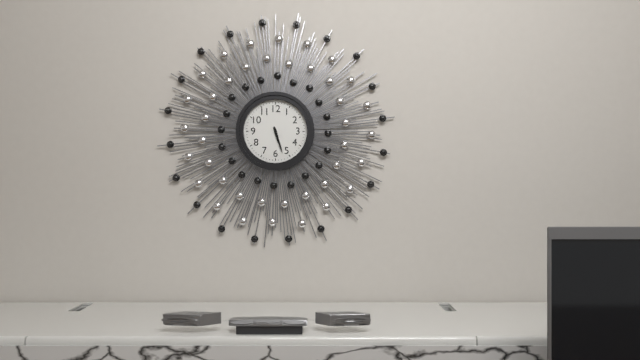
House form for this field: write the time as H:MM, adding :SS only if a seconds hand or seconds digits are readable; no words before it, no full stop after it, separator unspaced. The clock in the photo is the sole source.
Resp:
5:27
